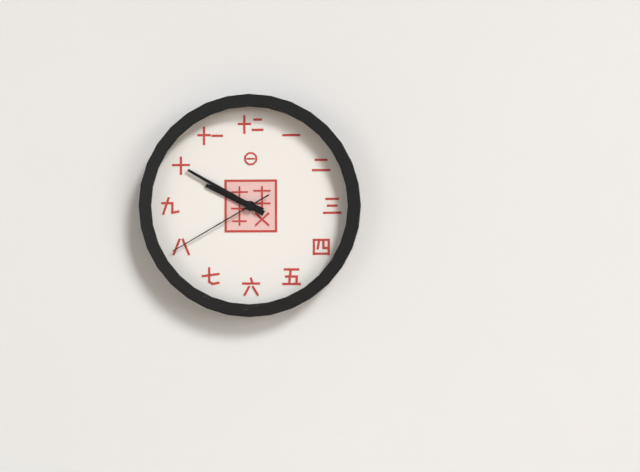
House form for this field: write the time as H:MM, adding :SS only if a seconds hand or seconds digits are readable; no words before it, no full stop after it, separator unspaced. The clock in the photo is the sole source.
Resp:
9:50:40
